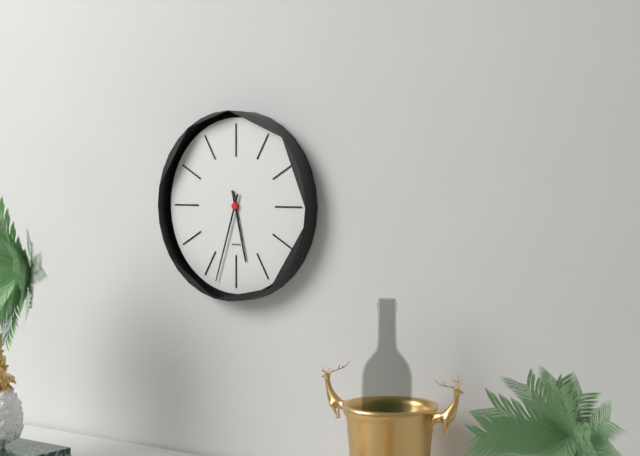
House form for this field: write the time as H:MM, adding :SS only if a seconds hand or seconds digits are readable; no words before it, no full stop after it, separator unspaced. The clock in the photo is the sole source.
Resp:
5:33
